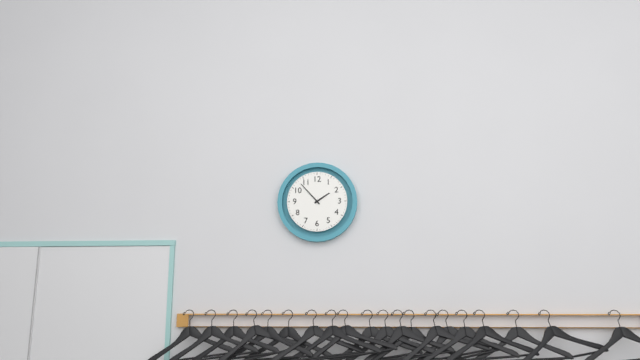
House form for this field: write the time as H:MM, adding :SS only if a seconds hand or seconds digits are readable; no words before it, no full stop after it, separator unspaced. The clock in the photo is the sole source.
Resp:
1:53
